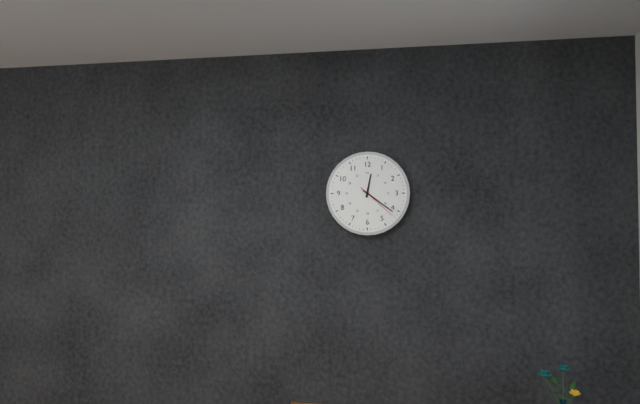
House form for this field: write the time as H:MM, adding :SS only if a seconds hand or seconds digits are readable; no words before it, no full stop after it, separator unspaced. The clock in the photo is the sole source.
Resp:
12:21
